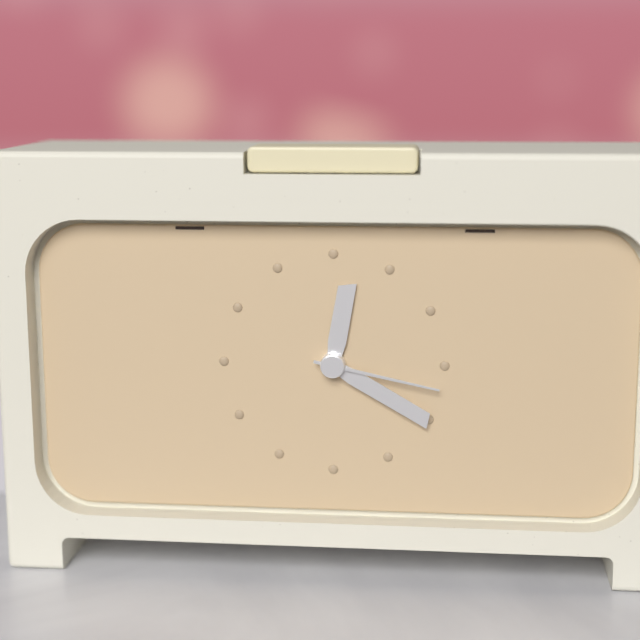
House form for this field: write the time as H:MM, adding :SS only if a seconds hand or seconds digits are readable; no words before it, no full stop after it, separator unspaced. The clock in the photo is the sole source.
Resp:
12:20:17
